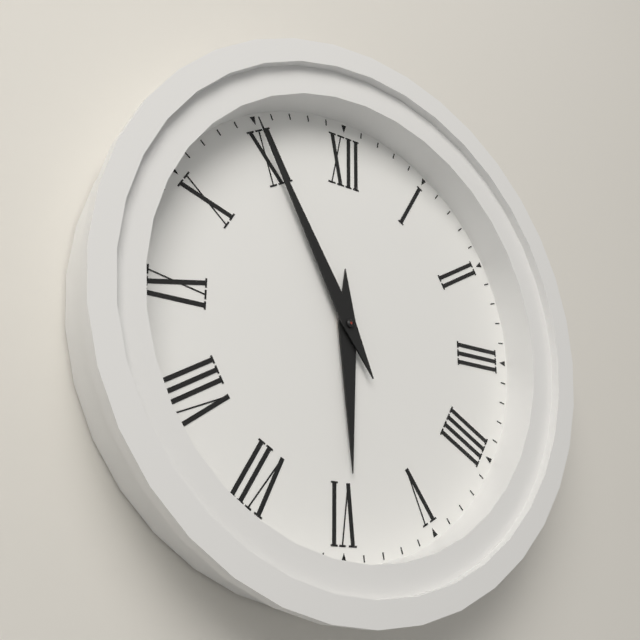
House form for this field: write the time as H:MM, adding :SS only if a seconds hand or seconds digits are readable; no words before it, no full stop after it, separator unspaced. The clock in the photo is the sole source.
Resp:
5:55
